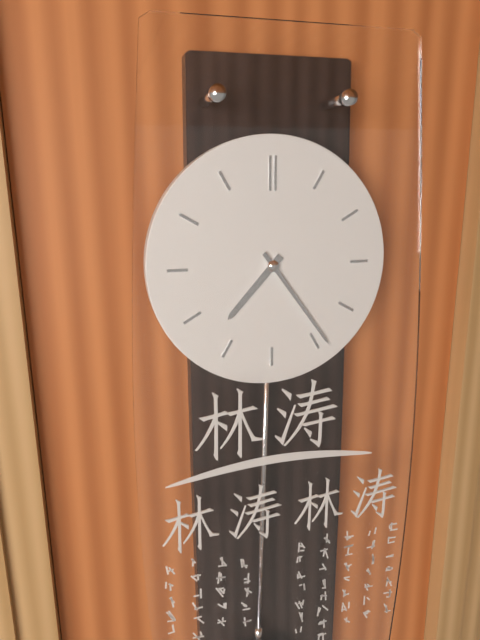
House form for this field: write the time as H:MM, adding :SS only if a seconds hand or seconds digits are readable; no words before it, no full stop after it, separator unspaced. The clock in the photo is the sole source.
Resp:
7:24
